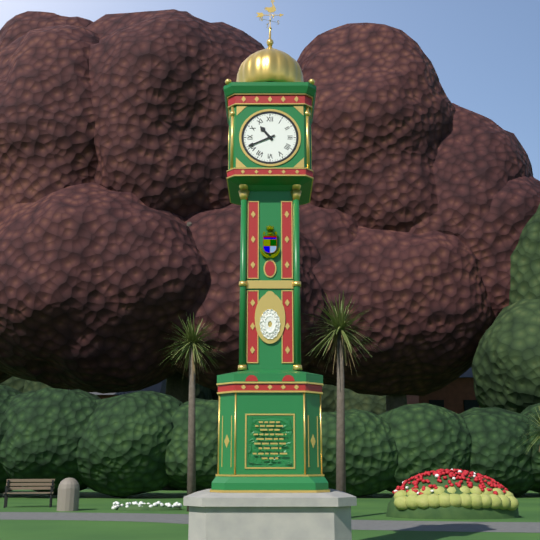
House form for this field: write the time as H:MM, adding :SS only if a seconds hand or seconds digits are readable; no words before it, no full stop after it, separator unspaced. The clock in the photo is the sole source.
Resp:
10:41
